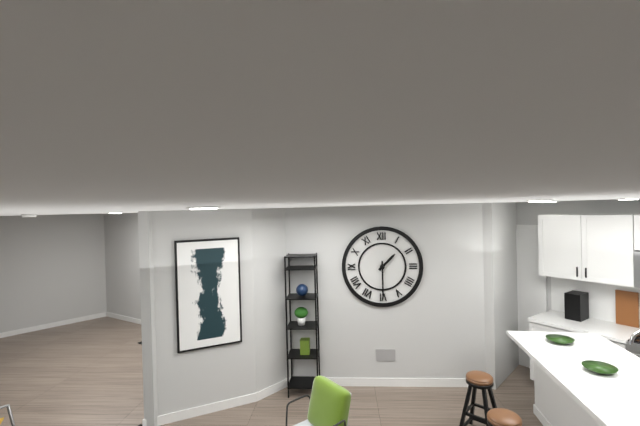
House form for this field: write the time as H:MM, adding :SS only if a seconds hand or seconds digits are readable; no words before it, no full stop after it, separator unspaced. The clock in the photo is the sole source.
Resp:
1:30
